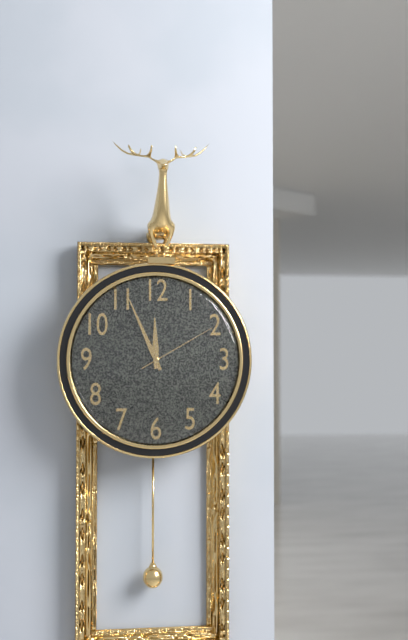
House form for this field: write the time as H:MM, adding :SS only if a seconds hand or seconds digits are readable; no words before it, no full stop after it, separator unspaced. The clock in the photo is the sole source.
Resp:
11:56:10
